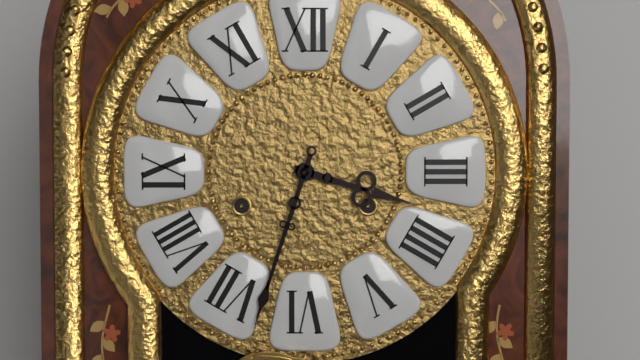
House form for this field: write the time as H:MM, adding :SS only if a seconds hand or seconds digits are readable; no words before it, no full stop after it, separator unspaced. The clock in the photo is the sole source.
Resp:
3:33
